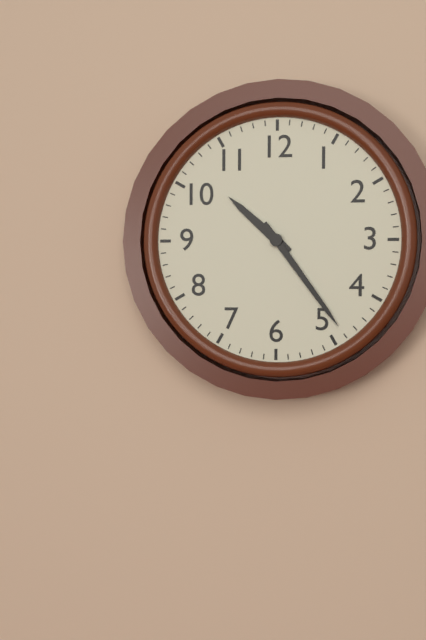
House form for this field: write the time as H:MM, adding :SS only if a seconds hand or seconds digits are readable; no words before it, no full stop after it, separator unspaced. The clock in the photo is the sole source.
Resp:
10:24
